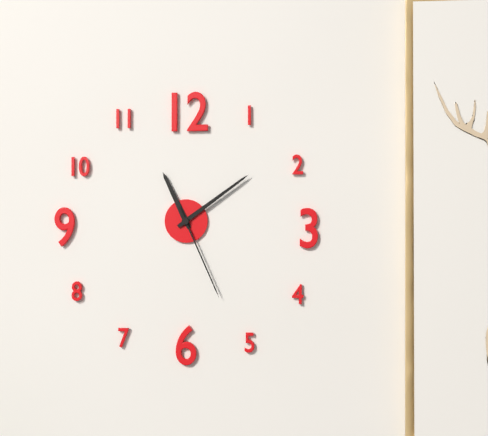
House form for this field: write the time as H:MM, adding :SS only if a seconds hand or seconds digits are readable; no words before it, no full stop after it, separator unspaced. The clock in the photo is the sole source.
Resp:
11:09:26
